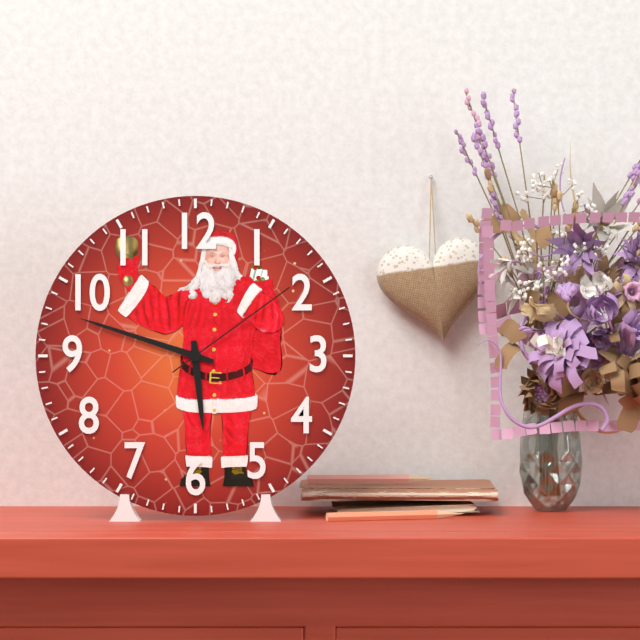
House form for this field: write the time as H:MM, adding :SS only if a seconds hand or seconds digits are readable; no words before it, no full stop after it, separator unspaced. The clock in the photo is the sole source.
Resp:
5:48:09
